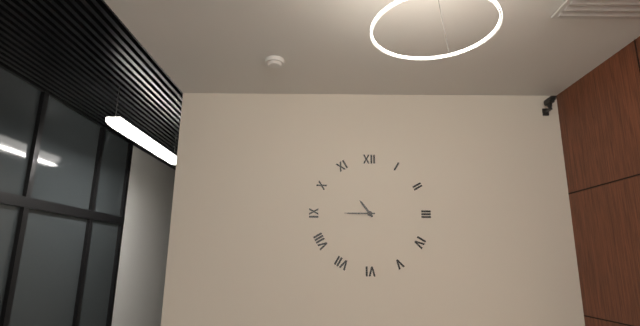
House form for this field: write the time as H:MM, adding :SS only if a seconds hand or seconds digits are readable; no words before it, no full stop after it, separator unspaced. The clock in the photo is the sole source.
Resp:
10:45
